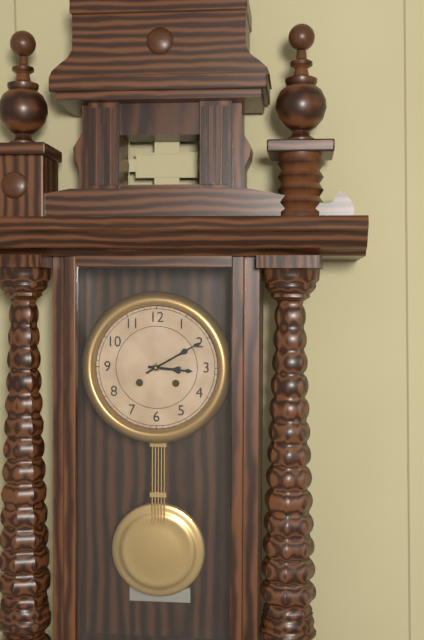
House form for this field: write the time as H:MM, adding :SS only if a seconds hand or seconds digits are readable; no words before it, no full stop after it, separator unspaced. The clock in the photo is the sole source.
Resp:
3:10
